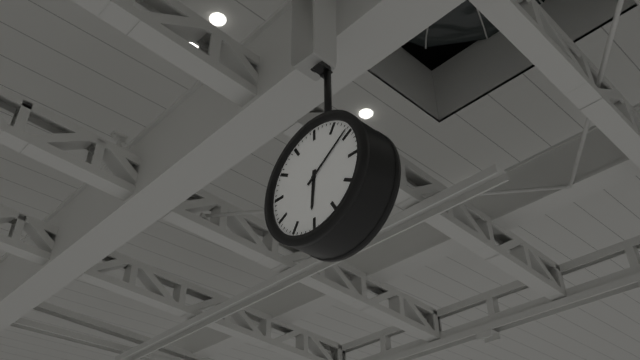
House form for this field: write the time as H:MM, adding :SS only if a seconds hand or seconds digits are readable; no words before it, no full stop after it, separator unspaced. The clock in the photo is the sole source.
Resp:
6:09
